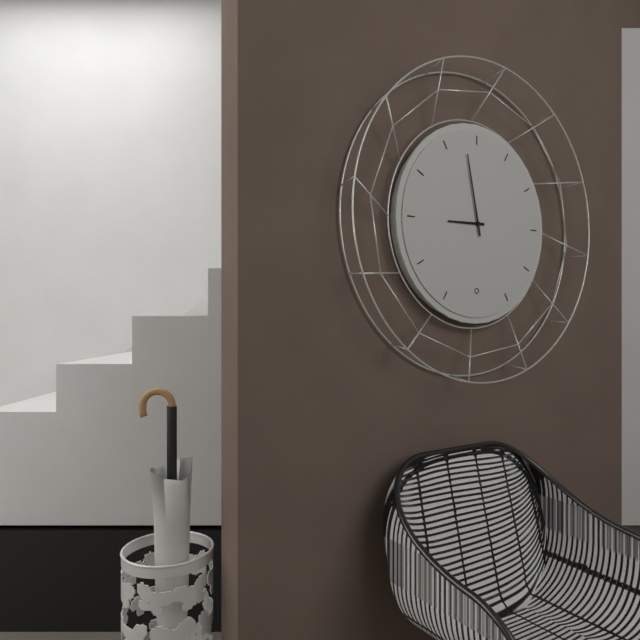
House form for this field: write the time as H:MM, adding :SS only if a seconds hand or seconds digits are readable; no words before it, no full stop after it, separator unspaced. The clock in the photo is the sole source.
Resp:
8:58
